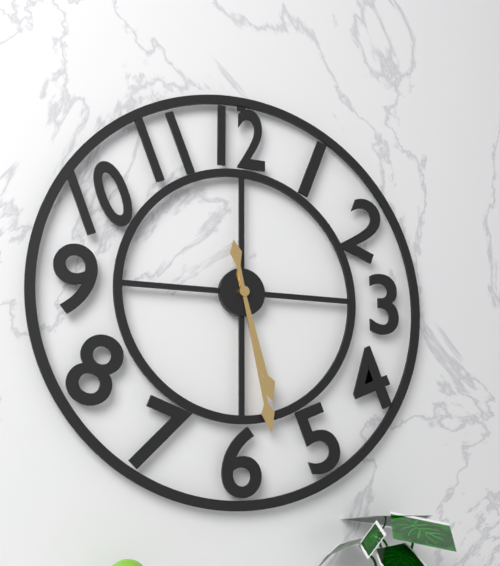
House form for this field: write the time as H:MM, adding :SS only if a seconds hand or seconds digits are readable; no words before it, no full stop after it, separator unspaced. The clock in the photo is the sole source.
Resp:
5:28
